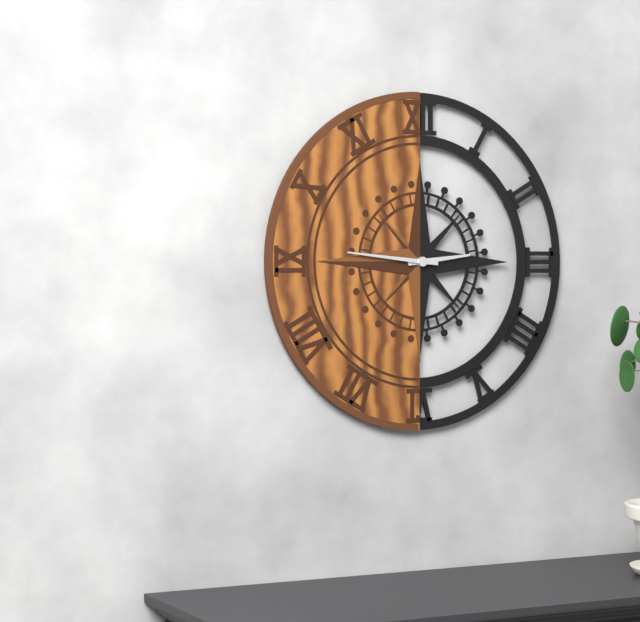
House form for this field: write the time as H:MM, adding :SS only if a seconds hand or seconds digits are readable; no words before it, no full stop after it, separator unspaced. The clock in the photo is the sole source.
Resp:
2:46
